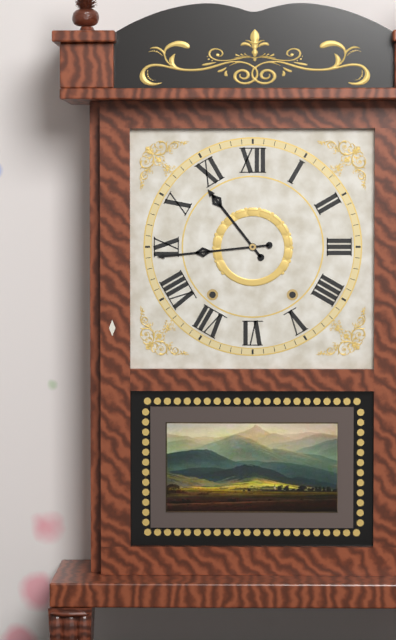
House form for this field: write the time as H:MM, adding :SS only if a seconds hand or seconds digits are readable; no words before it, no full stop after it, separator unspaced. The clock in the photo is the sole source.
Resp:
10:44
